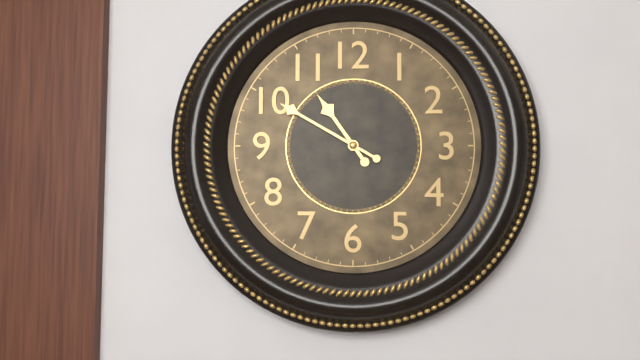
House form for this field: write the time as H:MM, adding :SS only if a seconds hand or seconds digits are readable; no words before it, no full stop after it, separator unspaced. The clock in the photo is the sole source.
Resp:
10:50
